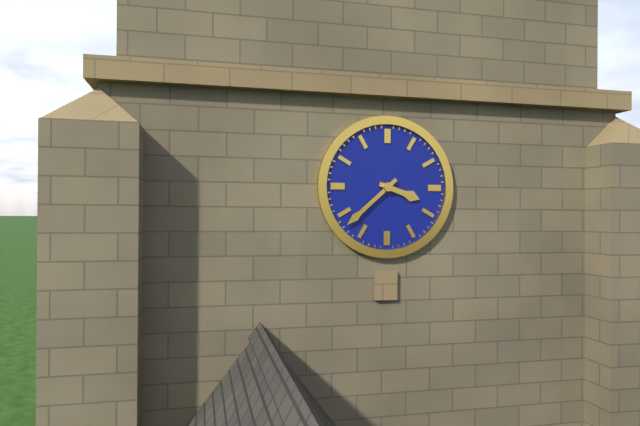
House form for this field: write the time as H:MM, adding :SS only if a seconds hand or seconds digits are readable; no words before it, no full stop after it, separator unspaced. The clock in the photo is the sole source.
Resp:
3:38
